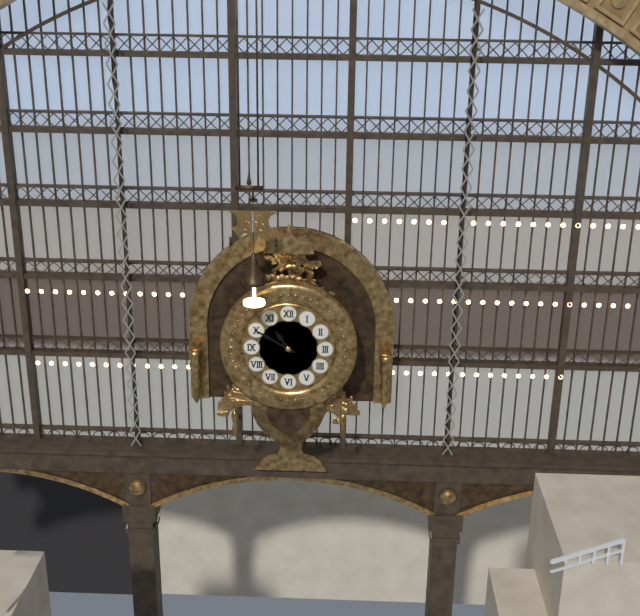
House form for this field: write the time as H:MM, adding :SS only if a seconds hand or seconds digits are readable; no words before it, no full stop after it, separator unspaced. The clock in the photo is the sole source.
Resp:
10:50
